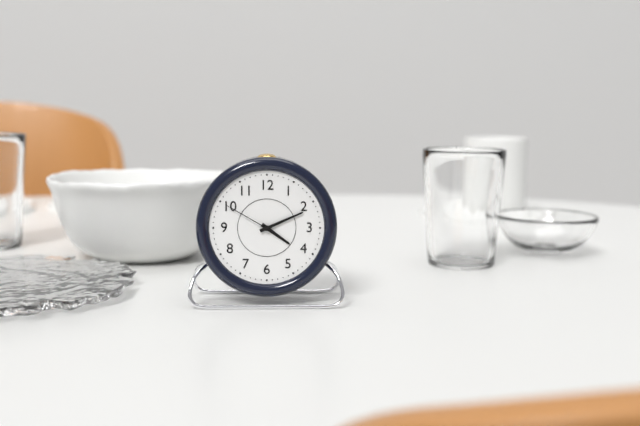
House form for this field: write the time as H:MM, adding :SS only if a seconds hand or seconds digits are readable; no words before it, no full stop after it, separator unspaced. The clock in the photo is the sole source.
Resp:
4:11:50
